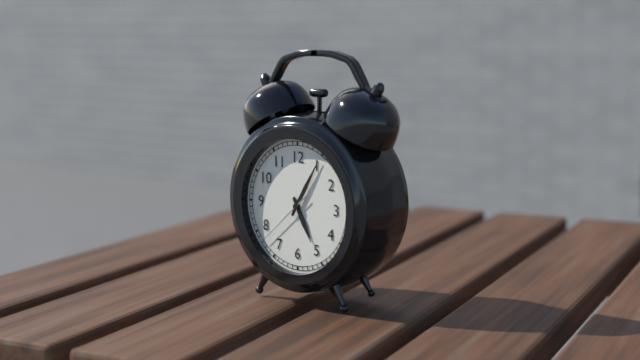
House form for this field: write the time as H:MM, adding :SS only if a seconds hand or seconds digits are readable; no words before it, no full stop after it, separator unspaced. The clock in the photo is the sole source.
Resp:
5:05:38
